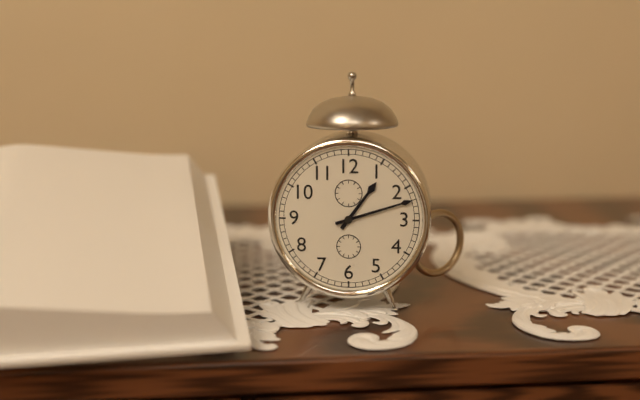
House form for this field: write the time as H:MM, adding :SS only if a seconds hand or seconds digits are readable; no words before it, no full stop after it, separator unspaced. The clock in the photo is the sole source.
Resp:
1:12
